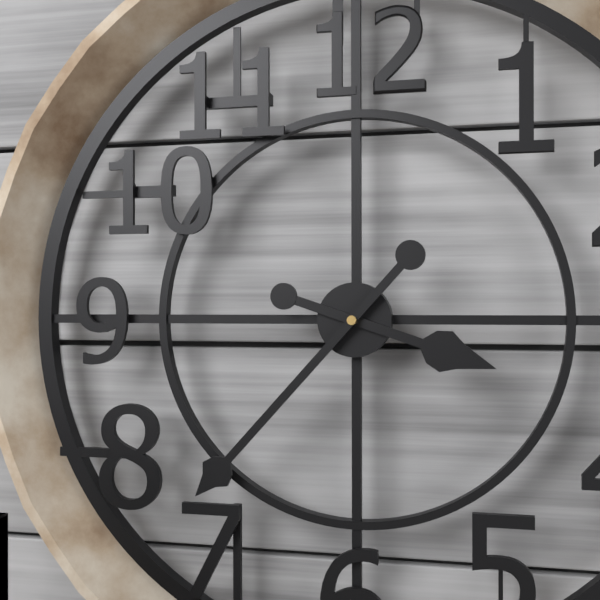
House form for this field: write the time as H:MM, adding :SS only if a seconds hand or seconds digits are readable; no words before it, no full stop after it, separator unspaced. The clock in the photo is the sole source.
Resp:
3:37
